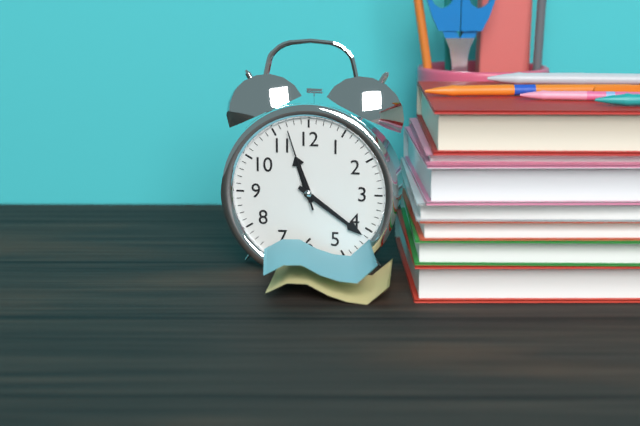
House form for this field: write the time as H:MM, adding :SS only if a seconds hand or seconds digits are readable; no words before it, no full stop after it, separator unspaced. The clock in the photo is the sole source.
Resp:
11:21:57
